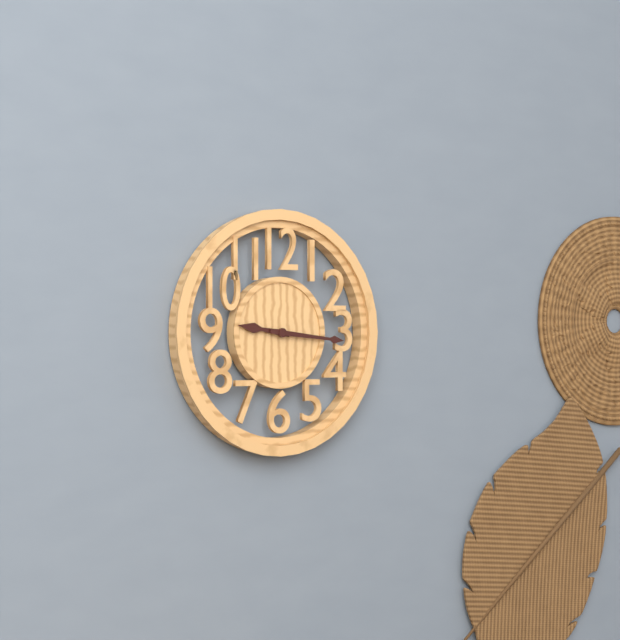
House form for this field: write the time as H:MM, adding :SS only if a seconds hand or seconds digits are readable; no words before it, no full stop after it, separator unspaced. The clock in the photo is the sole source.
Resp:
9:16
